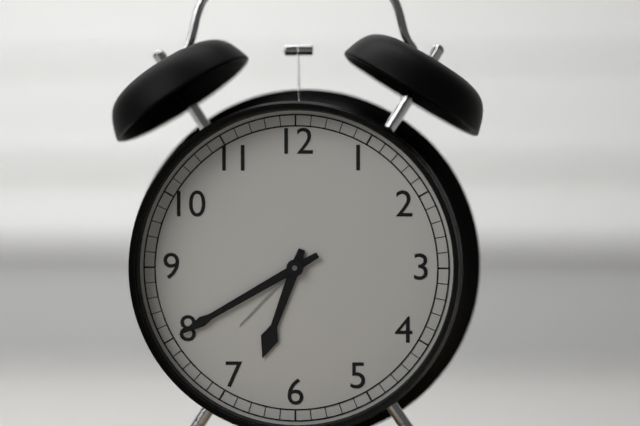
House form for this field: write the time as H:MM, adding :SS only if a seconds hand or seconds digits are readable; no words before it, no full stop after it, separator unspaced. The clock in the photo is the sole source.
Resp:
6:40
